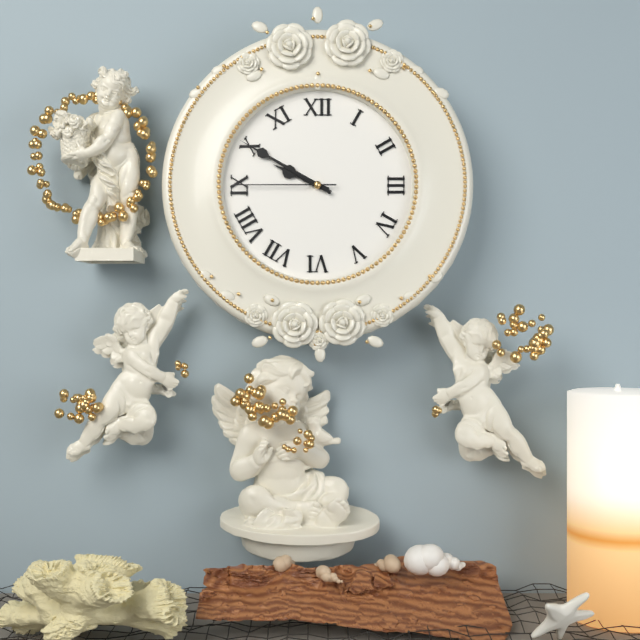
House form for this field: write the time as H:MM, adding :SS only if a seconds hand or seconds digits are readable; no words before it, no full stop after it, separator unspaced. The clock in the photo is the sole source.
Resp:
9:50:45
